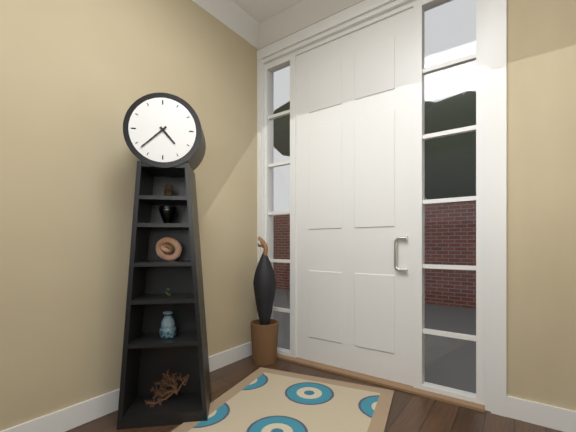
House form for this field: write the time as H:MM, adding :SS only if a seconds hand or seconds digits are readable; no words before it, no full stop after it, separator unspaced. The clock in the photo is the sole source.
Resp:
4:38
